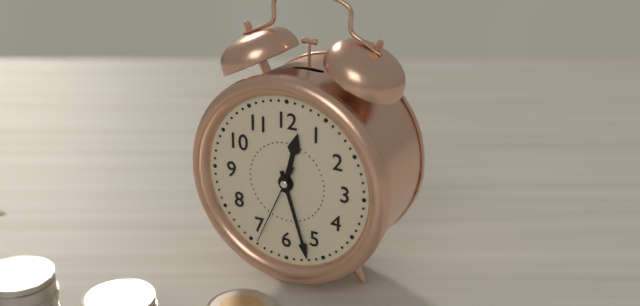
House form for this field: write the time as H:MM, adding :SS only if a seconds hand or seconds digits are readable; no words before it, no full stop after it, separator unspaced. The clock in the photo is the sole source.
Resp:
12:27:34
